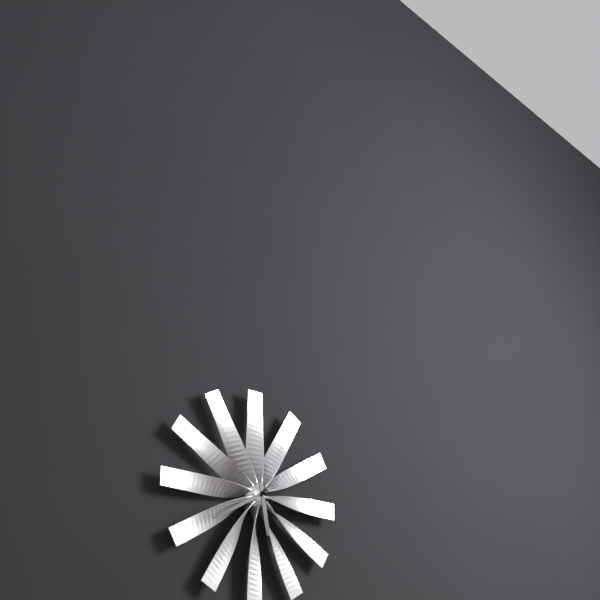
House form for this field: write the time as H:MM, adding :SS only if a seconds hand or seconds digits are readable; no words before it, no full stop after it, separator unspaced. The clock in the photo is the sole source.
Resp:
5:40:41
